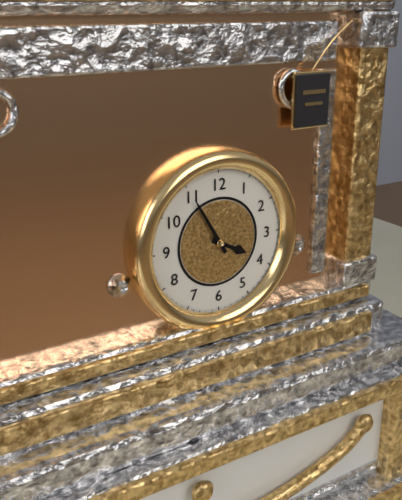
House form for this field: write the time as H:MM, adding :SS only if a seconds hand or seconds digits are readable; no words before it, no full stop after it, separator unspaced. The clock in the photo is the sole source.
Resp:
3:55
